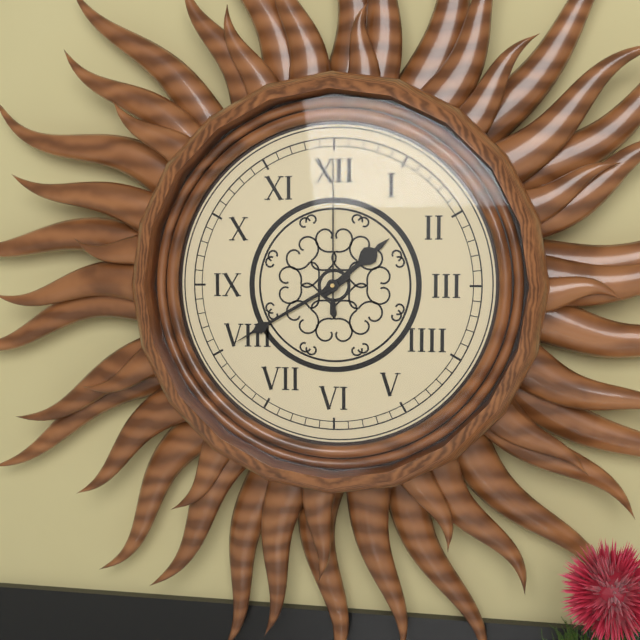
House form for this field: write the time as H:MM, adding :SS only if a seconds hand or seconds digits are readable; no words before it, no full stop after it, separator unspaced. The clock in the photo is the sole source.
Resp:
1:40:00
